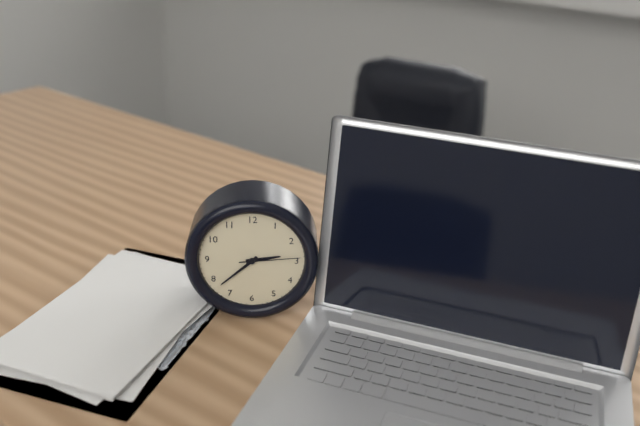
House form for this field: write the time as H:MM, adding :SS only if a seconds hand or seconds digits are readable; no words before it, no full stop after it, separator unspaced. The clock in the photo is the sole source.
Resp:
2:38:14
